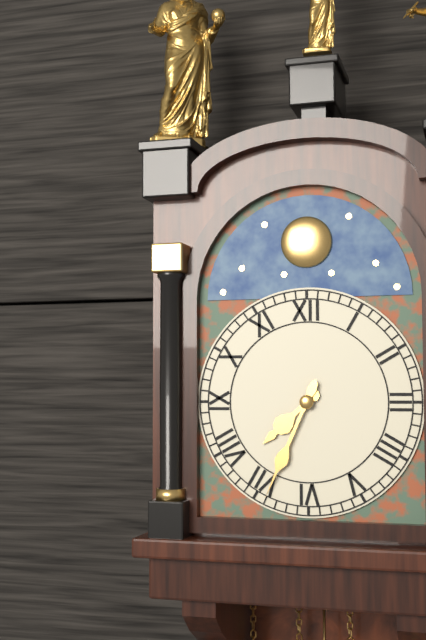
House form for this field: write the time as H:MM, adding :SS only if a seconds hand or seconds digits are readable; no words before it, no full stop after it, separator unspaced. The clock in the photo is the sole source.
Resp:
7:34
